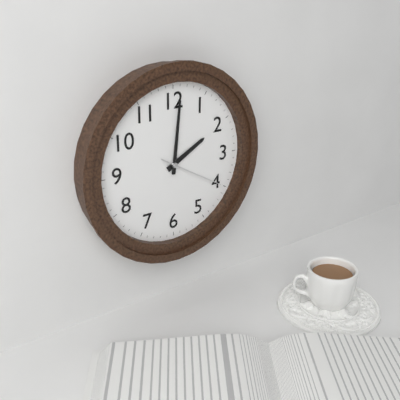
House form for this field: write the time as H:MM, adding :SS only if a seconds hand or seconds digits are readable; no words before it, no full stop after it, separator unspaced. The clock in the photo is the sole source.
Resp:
2:01:20
